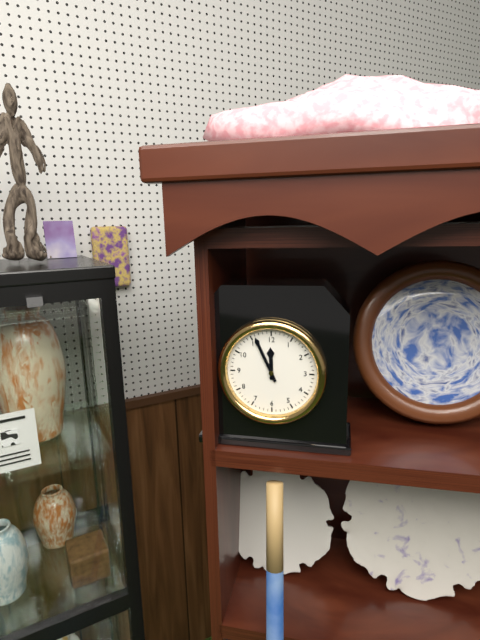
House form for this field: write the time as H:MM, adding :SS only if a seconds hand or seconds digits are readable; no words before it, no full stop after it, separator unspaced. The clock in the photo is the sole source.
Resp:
11:56
